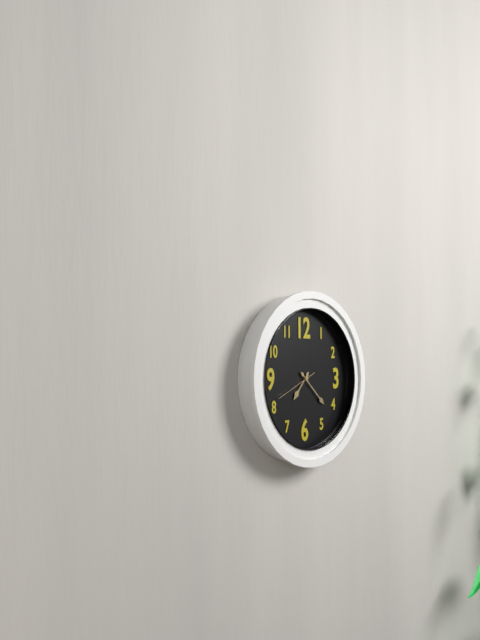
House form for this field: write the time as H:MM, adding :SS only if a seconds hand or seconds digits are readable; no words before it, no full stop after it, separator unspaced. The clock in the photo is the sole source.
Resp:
7:22
